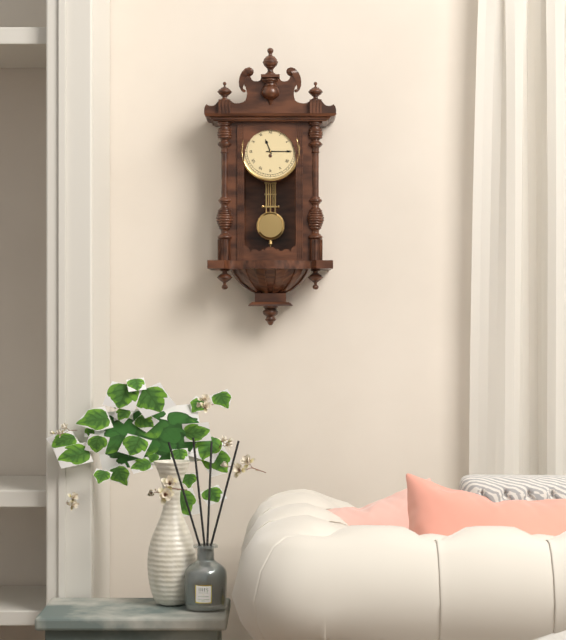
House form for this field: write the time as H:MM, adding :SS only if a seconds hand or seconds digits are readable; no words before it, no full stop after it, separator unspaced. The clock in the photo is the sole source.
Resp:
11:15
